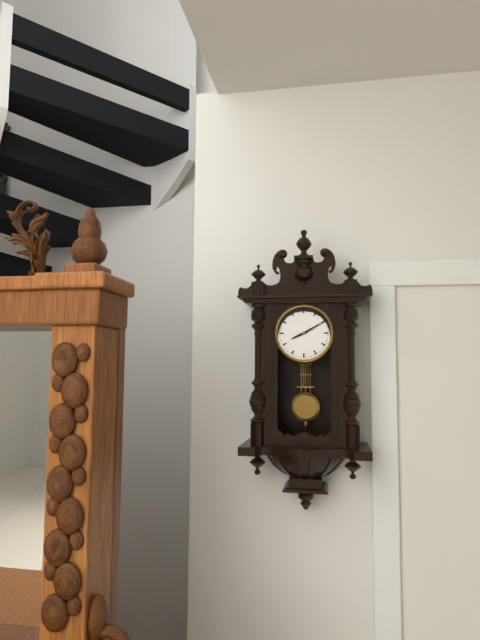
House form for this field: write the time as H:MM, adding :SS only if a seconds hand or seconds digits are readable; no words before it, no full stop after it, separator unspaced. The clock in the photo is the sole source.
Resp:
8:10
